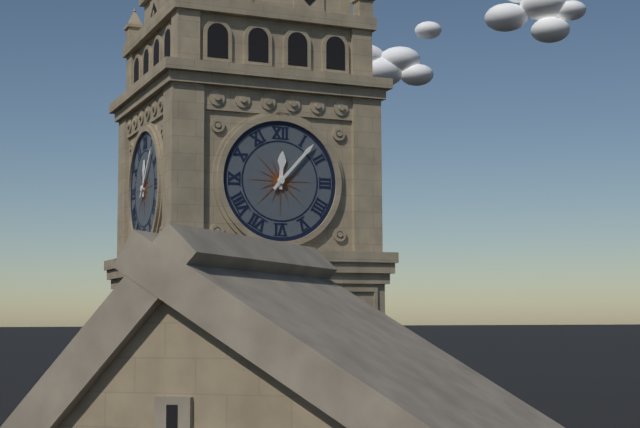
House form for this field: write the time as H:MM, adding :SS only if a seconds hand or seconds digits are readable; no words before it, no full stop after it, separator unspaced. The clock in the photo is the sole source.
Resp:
12:07
